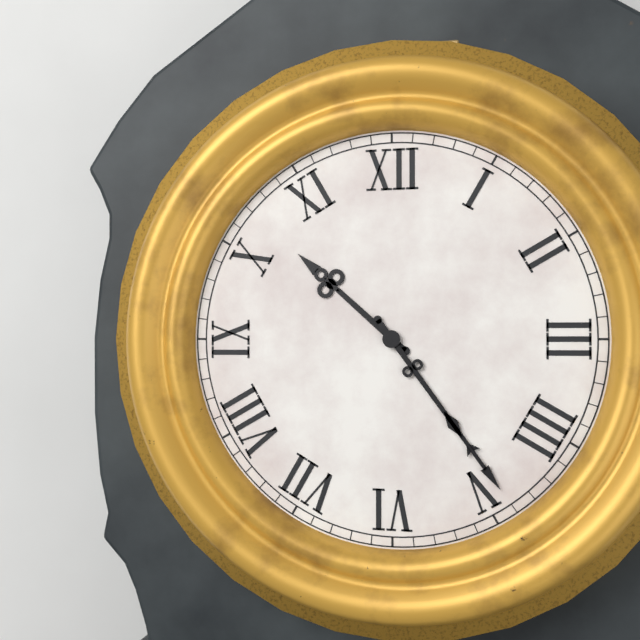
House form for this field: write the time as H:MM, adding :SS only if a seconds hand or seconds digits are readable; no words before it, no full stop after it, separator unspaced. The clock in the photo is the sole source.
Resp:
10:24
